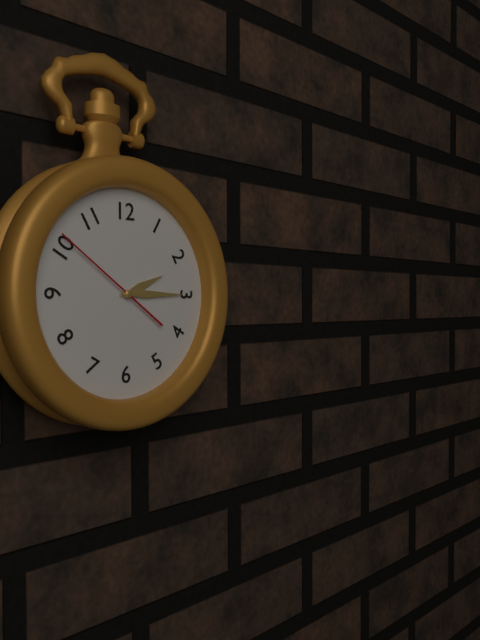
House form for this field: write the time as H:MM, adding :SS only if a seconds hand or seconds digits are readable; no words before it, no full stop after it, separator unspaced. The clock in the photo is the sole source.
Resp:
2:15:51
